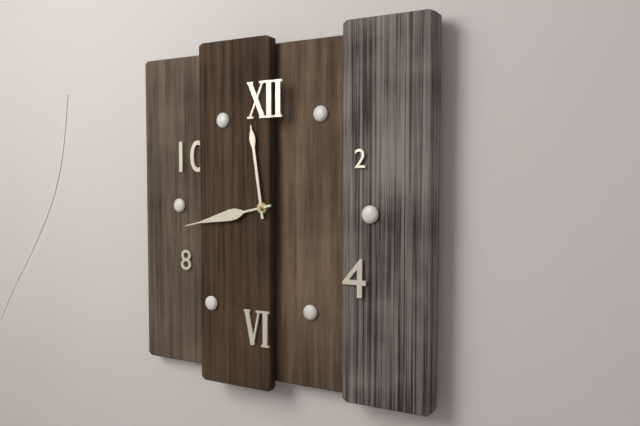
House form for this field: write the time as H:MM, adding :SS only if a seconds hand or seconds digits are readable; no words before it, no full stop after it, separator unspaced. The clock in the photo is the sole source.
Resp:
11:43
